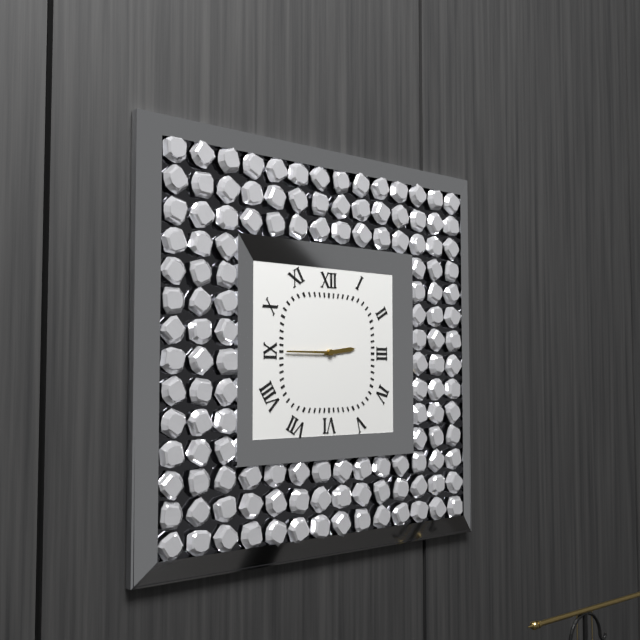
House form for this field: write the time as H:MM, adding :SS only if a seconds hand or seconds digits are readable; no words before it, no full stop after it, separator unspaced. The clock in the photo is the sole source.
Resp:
2:45
